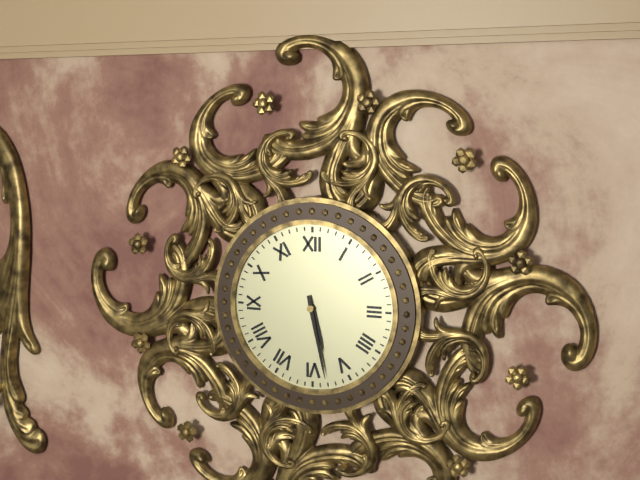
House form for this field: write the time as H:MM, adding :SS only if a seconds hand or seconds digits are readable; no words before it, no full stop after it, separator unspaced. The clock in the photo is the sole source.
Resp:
5:28
